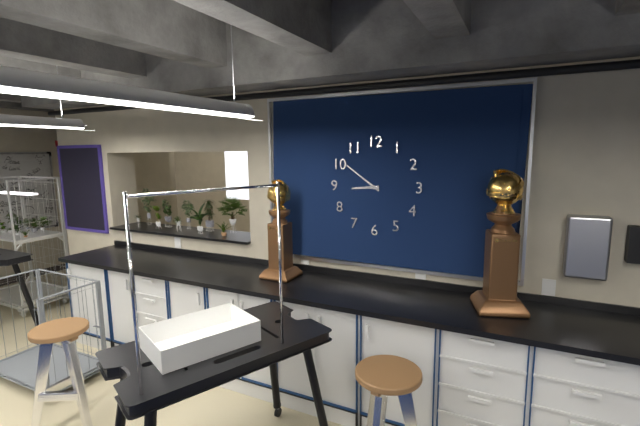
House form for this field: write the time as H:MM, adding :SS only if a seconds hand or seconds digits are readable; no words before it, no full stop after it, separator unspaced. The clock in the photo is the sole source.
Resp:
8:51
